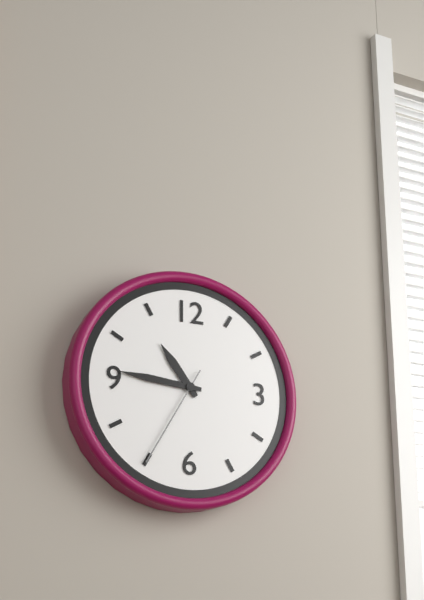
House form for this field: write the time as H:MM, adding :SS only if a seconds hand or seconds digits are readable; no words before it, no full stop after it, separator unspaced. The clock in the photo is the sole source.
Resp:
10:46:35
